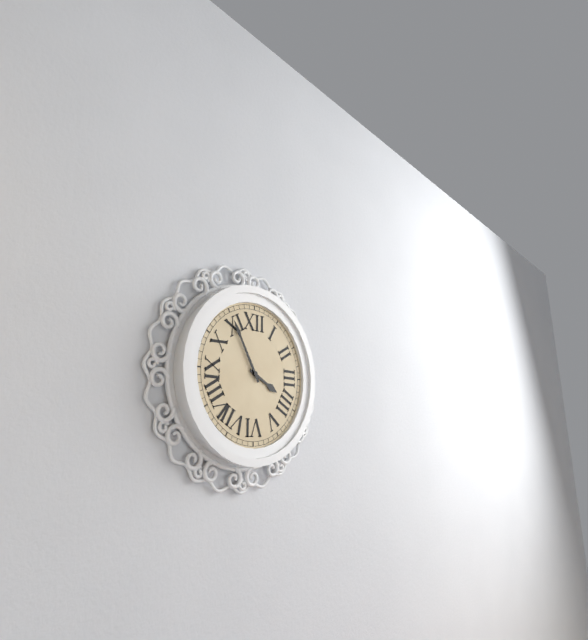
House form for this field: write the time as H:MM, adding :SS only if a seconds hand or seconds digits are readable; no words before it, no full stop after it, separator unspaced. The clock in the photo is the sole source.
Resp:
3:55
